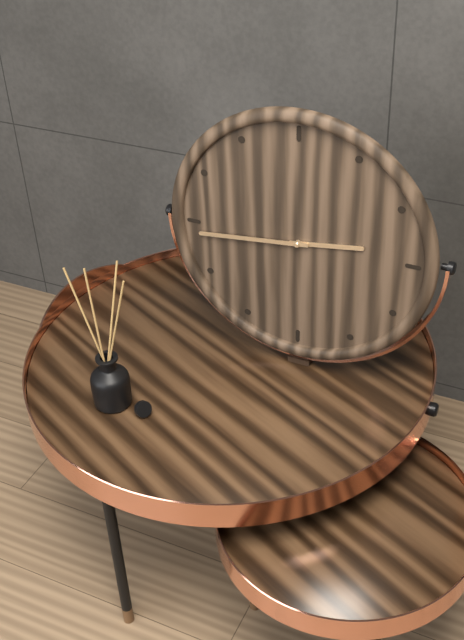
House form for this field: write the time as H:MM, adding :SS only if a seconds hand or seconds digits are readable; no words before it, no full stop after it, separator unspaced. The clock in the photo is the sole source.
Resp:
2:44
